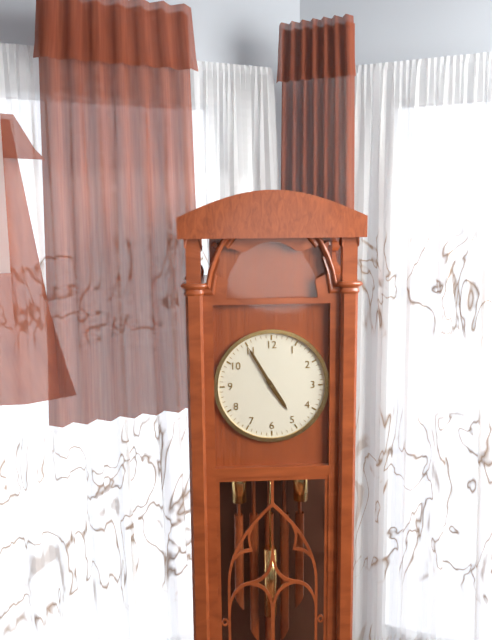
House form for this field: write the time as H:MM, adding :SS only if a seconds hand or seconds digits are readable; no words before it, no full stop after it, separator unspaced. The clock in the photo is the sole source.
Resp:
4:55
